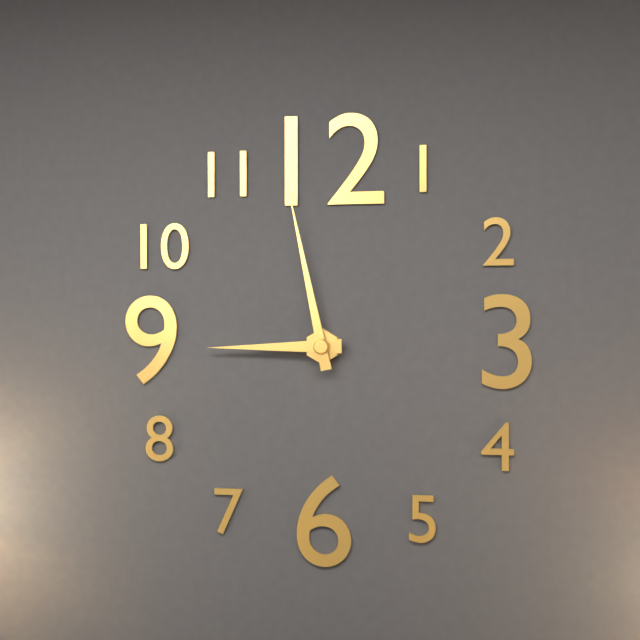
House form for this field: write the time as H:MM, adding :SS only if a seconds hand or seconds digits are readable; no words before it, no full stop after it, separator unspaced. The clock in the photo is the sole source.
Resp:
8:58
